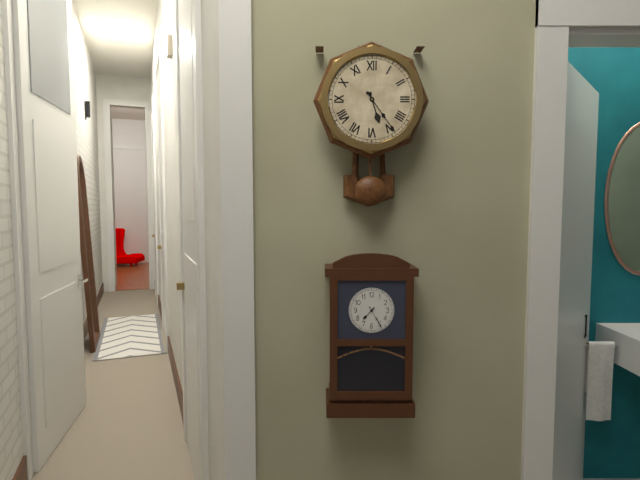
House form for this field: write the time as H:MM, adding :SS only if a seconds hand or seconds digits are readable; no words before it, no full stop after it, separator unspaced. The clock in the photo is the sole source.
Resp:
5:24
